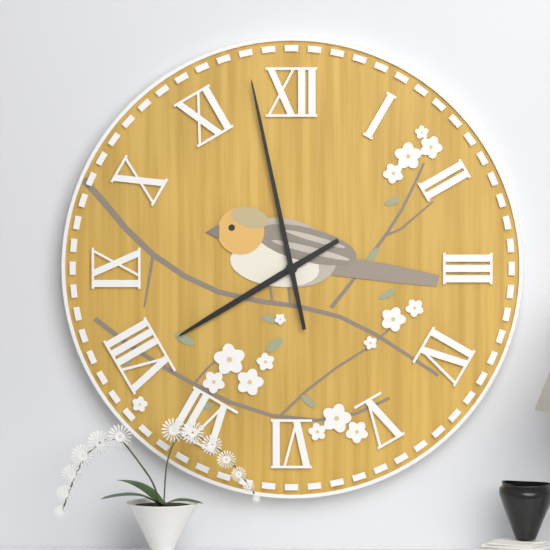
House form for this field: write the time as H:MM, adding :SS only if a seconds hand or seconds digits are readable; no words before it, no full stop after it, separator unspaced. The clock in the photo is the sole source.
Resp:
7:58
